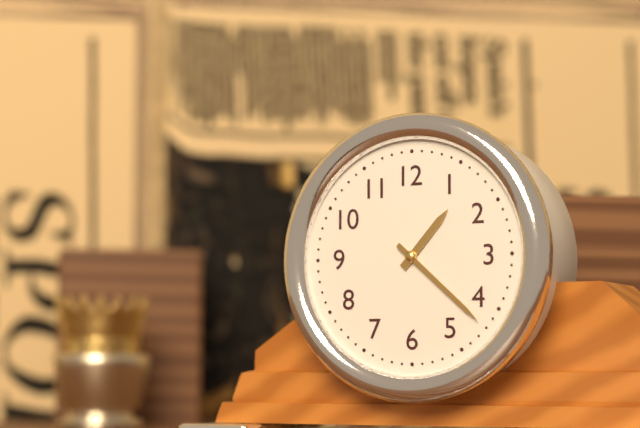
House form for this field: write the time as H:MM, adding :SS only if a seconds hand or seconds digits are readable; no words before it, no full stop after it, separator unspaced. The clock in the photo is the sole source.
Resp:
1:22
